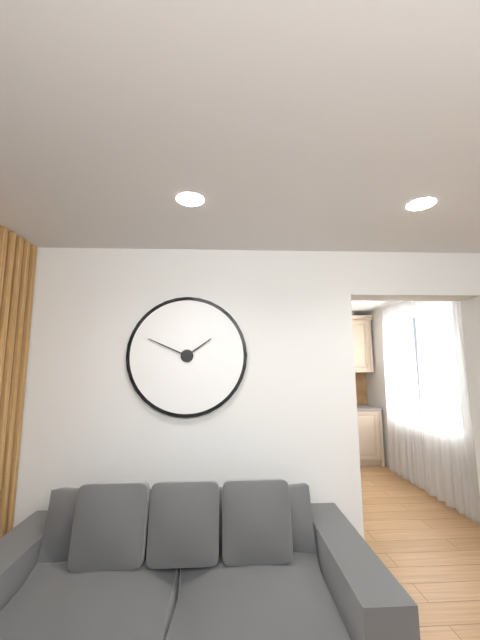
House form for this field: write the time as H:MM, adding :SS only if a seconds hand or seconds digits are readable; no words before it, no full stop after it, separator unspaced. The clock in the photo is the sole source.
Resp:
1:49
